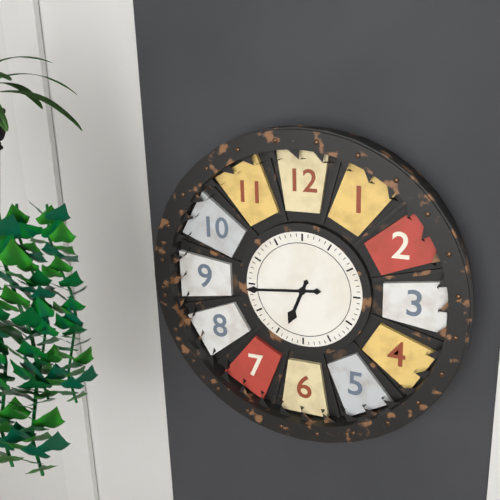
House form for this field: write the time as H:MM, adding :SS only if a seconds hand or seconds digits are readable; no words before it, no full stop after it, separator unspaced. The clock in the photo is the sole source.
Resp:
6:44
